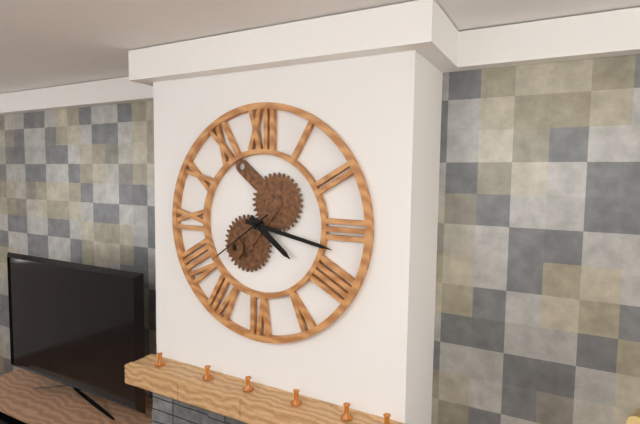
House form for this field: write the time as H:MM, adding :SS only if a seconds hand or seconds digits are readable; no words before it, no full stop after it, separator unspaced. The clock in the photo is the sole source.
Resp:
4:17:39
